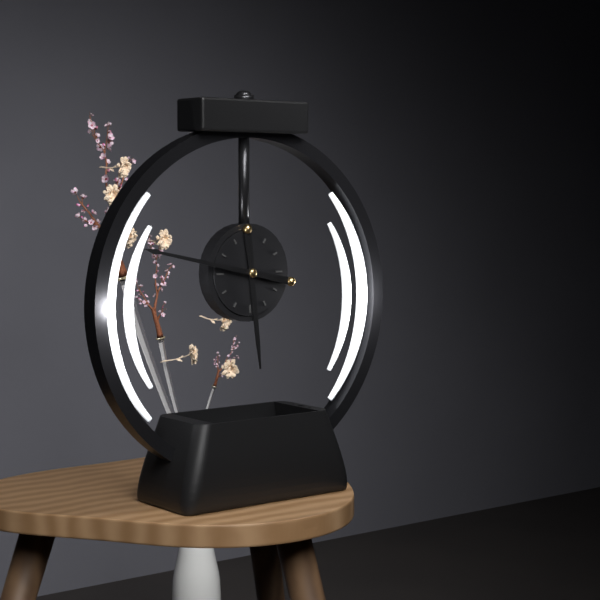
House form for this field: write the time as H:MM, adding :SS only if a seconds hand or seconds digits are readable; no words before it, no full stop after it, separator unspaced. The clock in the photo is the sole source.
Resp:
5:47
